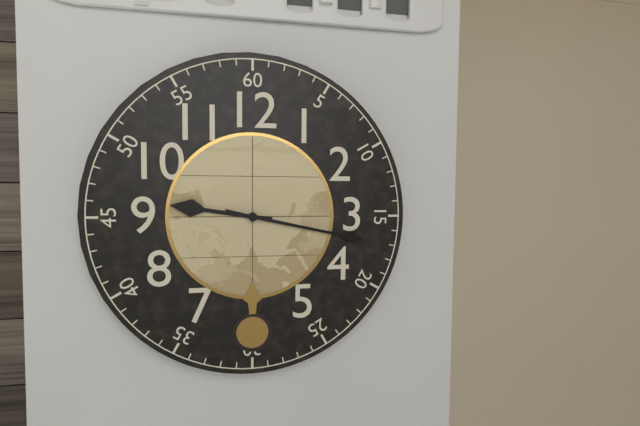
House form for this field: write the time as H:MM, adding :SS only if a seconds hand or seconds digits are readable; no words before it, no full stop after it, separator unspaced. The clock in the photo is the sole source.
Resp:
9:17
